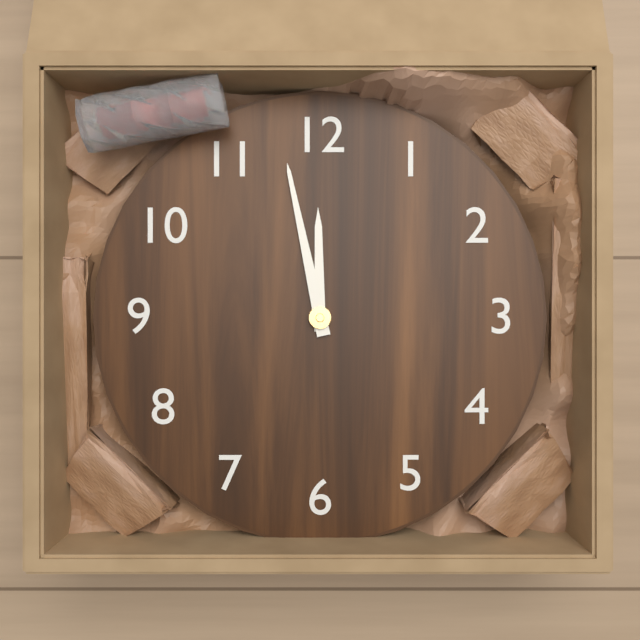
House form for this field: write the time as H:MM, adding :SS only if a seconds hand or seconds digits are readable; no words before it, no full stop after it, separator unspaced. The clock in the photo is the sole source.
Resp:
11:58
